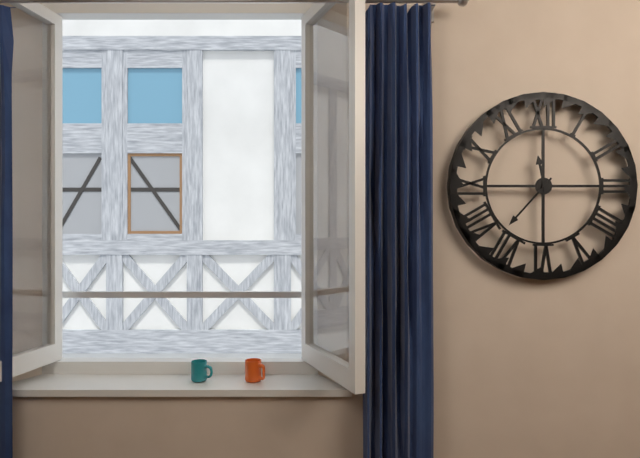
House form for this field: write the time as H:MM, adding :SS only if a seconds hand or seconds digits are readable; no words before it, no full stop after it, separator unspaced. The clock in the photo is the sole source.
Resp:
11:37
